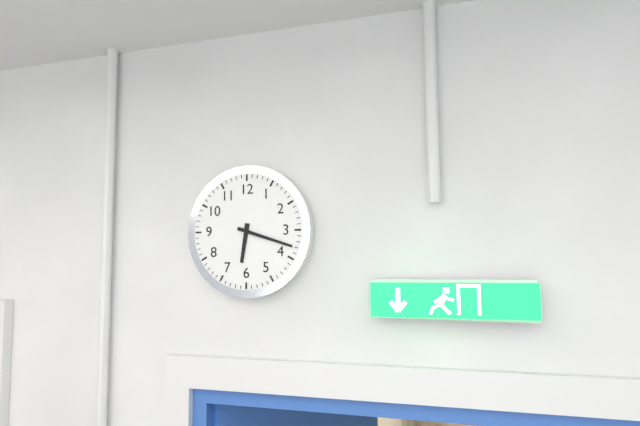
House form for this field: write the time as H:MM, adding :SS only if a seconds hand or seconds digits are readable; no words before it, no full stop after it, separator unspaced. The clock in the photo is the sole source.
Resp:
6:18
